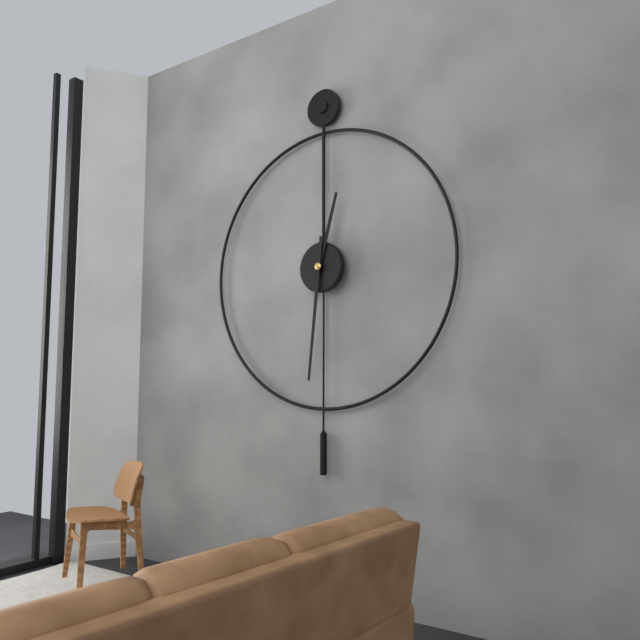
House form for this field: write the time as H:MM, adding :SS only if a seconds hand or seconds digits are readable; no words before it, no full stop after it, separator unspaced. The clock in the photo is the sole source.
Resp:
12:31
